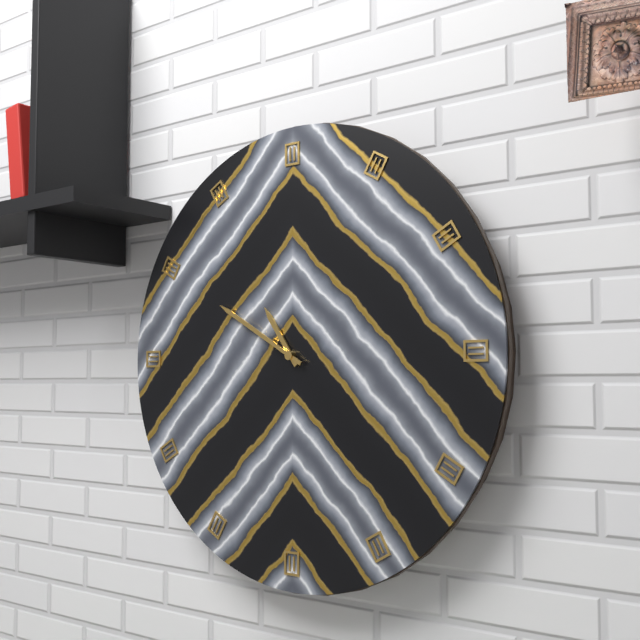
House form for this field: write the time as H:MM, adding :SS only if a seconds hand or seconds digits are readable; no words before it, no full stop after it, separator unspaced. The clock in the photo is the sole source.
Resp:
10:50
